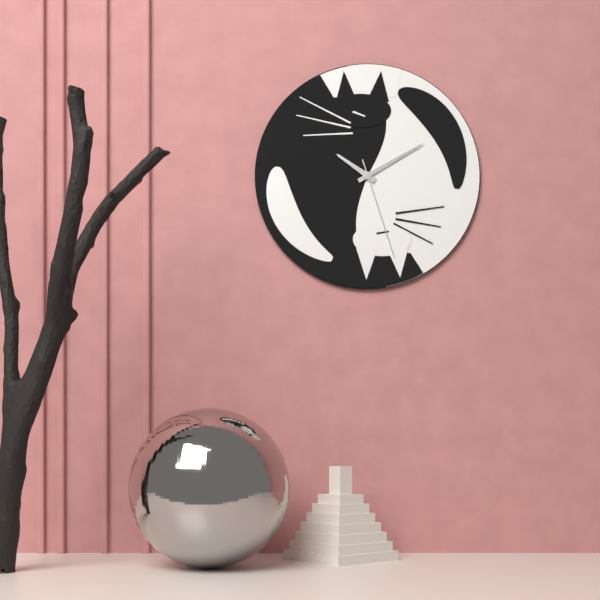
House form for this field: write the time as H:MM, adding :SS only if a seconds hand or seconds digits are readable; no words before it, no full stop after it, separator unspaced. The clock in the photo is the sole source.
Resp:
10:10:27
